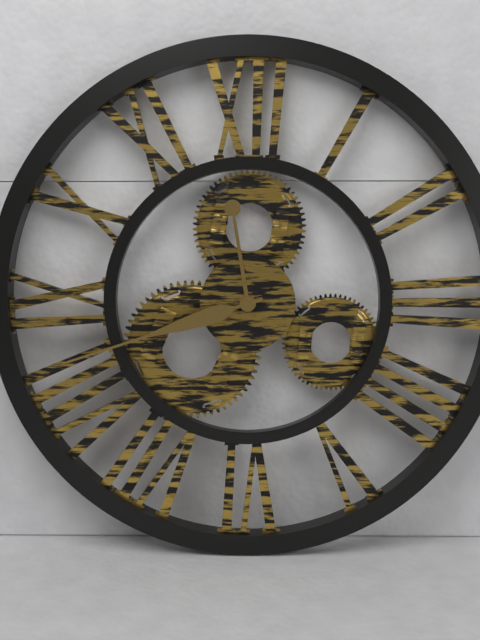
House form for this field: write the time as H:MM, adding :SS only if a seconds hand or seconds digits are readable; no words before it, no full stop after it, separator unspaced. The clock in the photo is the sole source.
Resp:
11:42
